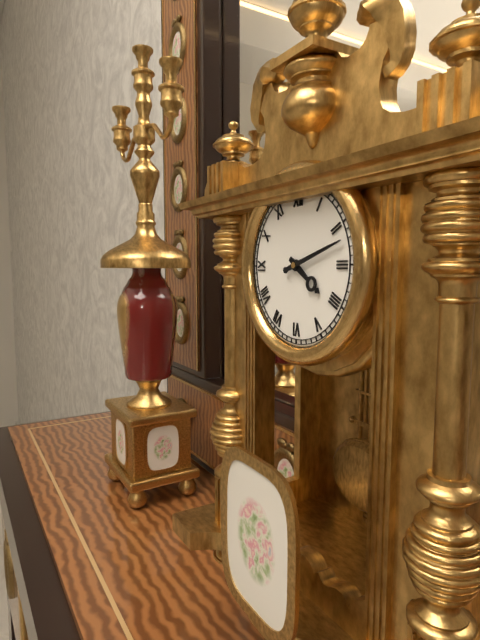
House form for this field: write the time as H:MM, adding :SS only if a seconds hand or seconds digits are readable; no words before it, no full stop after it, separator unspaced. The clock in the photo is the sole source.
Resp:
4:12
